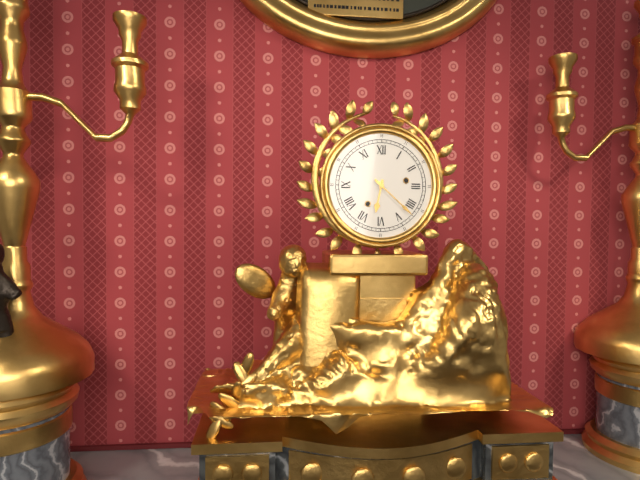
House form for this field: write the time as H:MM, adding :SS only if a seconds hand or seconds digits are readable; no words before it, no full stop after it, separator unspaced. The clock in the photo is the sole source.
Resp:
6:22
